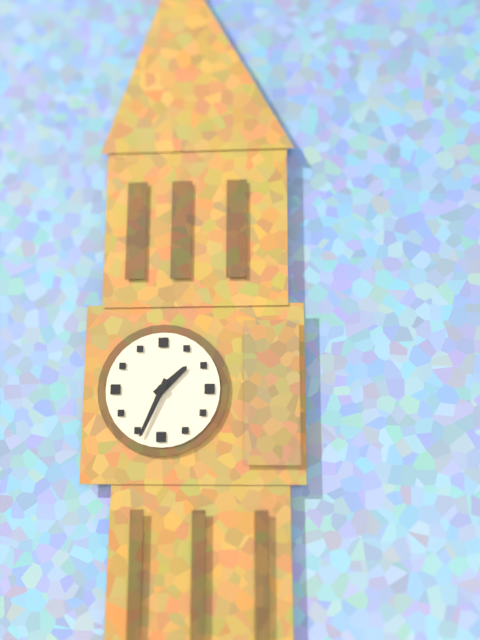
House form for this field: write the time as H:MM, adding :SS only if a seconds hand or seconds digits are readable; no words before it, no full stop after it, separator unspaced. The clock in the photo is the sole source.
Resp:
1:34
